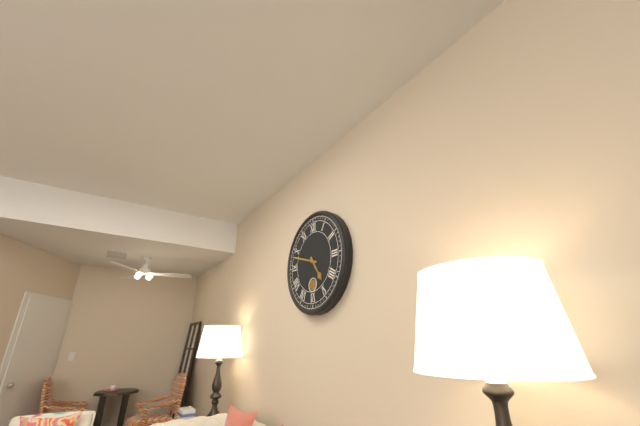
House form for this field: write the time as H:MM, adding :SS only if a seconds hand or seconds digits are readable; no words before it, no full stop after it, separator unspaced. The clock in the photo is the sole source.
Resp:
4:48
